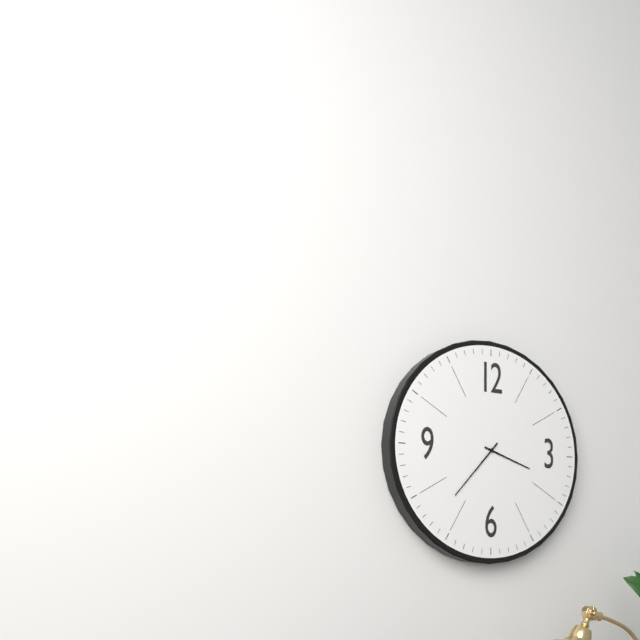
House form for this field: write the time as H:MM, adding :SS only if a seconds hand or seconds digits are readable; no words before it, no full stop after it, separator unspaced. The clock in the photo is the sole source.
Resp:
3:37
